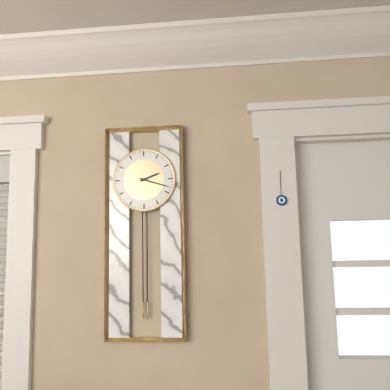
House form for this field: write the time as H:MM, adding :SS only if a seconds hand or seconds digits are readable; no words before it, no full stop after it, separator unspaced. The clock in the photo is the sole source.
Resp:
2:18
